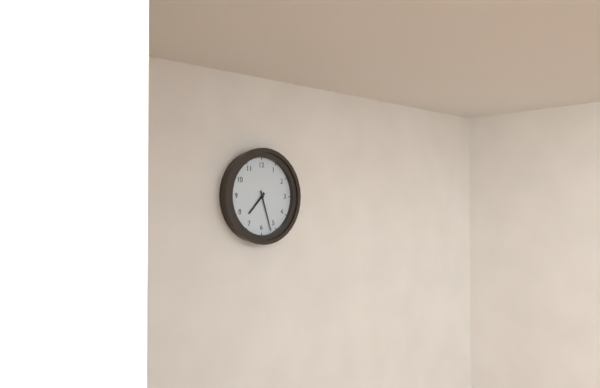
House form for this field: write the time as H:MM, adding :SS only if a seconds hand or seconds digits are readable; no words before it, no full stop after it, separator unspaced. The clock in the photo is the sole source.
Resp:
7:27
